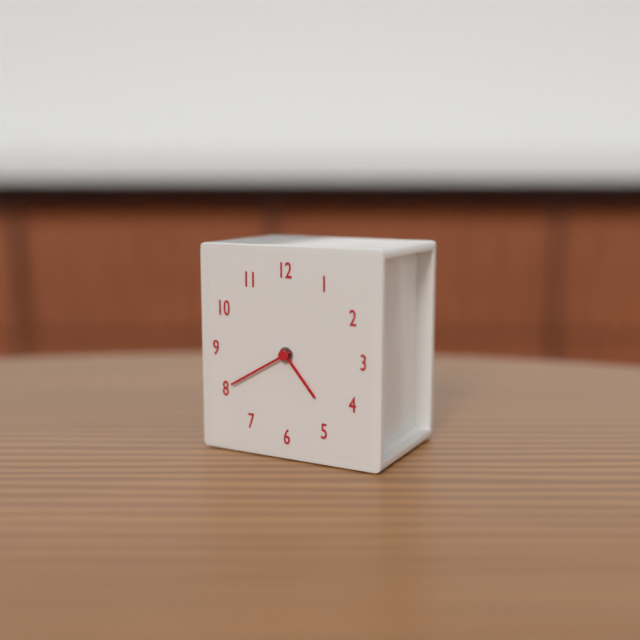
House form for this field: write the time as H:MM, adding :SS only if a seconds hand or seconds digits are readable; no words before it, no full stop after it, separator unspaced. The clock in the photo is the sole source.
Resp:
4:40
